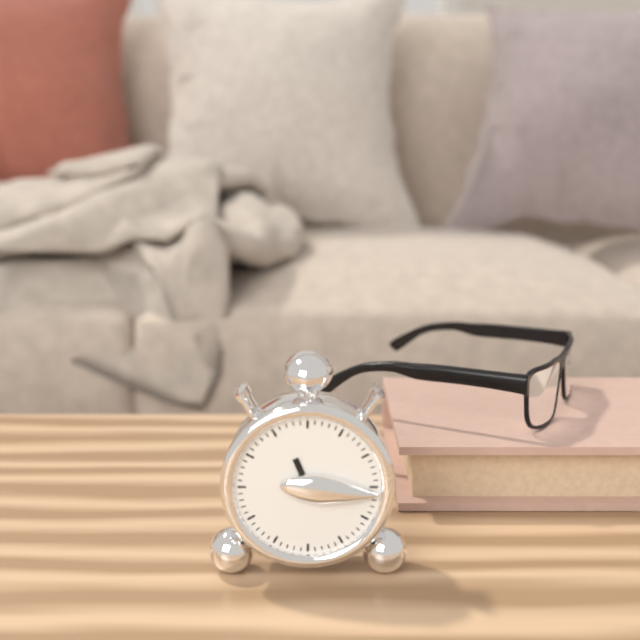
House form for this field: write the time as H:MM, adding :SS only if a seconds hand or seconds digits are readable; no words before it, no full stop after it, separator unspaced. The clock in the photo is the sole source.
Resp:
11:16
